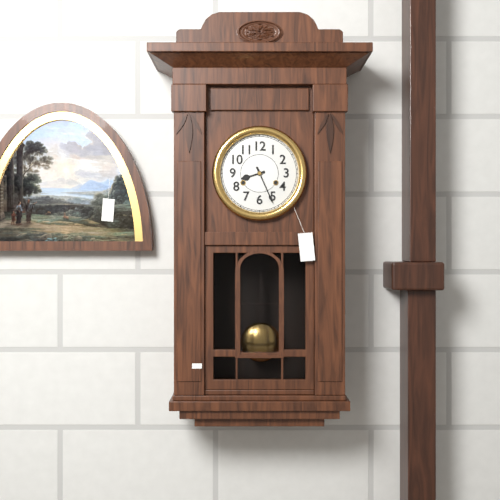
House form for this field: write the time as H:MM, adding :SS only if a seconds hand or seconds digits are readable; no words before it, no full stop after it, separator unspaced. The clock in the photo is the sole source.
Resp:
8:26
